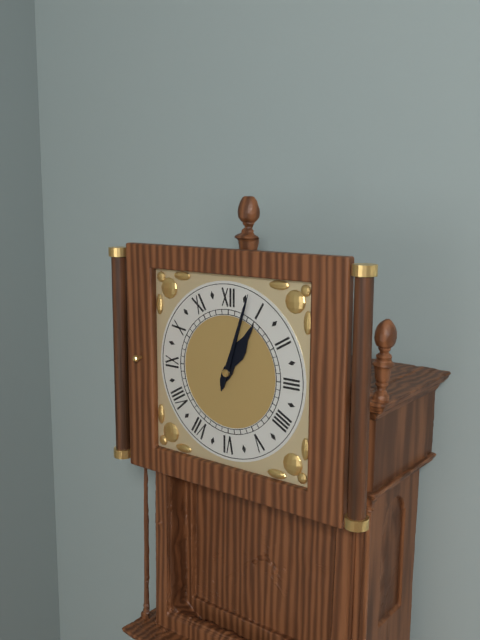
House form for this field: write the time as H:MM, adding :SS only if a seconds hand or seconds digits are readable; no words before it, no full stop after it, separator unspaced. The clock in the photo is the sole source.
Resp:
1:03
